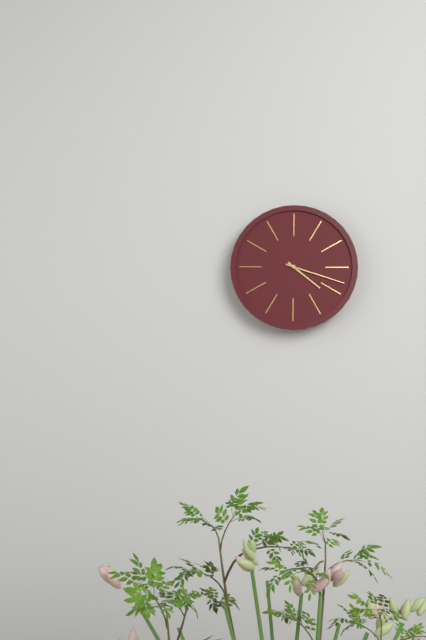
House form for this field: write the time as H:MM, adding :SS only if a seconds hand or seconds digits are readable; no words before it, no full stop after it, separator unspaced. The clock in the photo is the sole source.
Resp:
4:18
